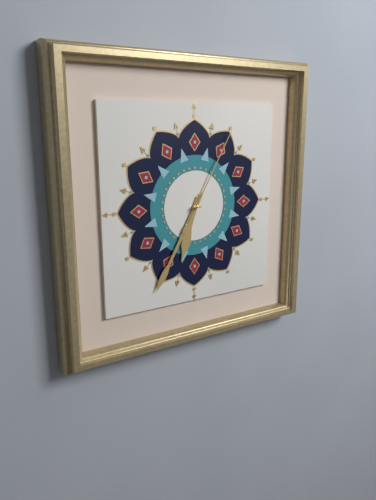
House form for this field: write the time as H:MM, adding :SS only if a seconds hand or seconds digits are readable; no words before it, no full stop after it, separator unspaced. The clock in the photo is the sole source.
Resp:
6:35:05
